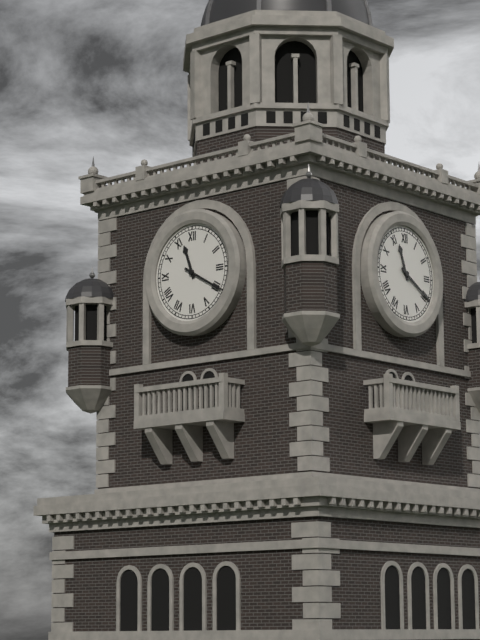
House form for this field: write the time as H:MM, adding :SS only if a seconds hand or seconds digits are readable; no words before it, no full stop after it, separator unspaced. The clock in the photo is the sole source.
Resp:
11:20
